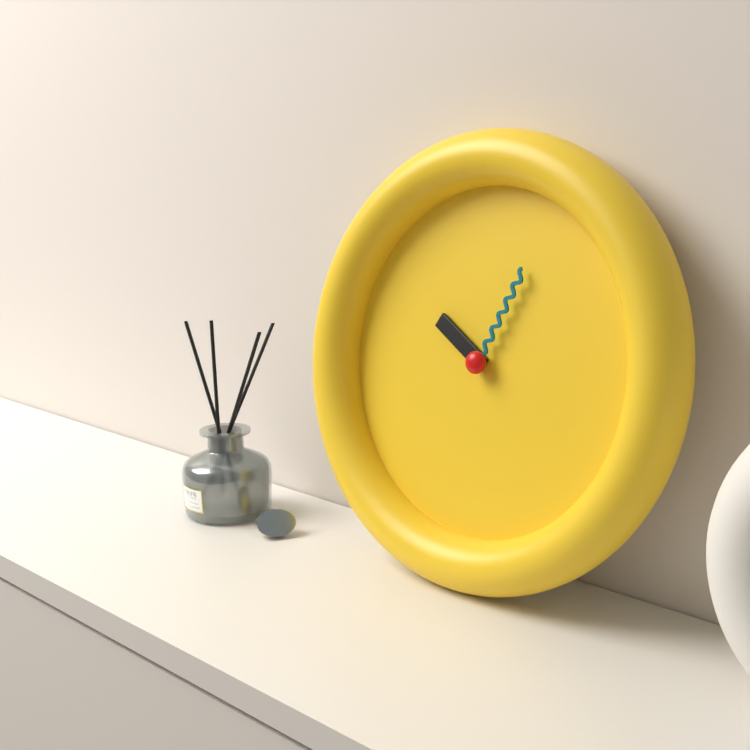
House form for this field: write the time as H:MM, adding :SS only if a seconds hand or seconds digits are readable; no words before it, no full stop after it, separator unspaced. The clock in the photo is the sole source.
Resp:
10:04
